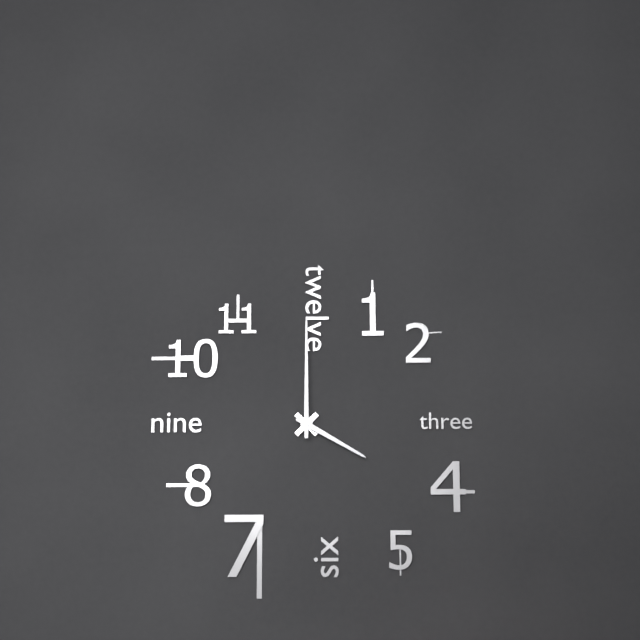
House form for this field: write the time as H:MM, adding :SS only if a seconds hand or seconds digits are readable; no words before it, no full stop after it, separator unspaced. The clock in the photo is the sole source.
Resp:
4:00
